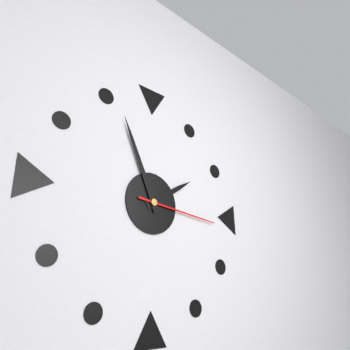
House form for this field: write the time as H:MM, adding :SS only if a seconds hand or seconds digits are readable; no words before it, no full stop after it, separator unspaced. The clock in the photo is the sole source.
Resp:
1:56:16
